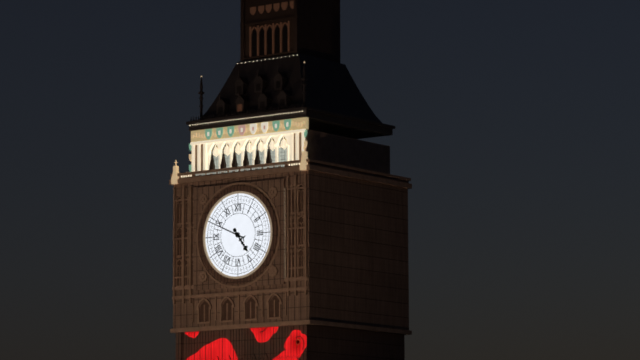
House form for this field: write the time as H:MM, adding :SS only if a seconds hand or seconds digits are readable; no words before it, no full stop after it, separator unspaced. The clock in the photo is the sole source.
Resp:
4:49
